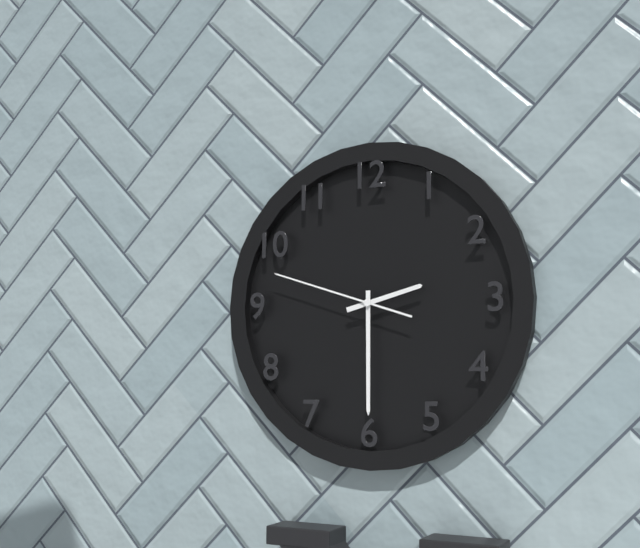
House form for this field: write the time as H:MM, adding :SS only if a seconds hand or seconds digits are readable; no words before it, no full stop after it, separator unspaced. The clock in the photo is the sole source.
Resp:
2:30:48
